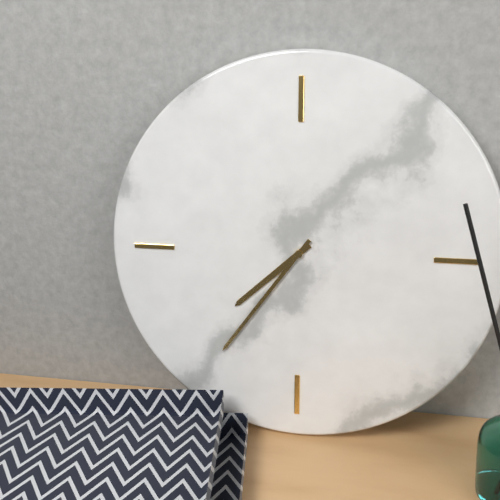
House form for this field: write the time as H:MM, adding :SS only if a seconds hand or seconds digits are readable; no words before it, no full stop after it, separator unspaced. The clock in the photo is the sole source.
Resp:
7:36
